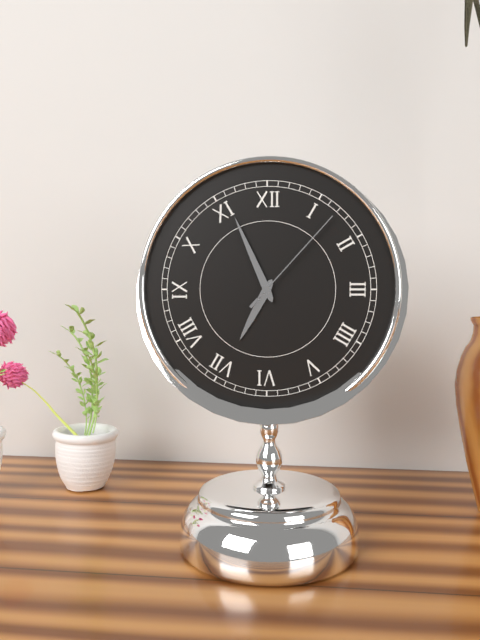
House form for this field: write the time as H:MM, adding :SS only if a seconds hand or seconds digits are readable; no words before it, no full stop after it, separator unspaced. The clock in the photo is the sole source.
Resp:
6:56:07
